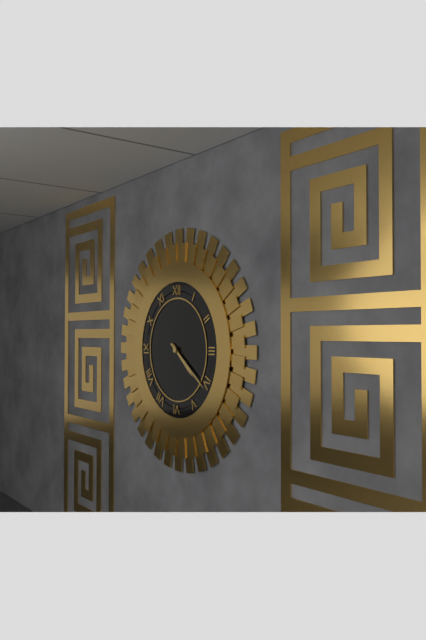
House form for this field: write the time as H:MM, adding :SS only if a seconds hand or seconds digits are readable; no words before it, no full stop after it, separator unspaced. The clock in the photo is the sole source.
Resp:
4:21
